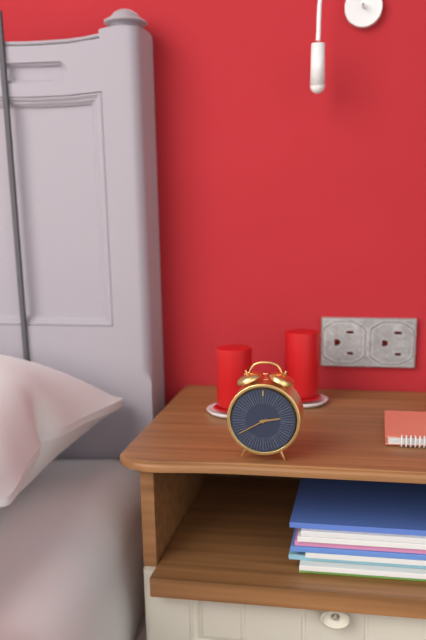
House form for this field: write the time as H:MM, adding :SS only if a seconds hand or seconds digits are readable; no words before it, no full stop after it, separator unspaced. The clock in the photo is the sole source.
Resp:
2:40
